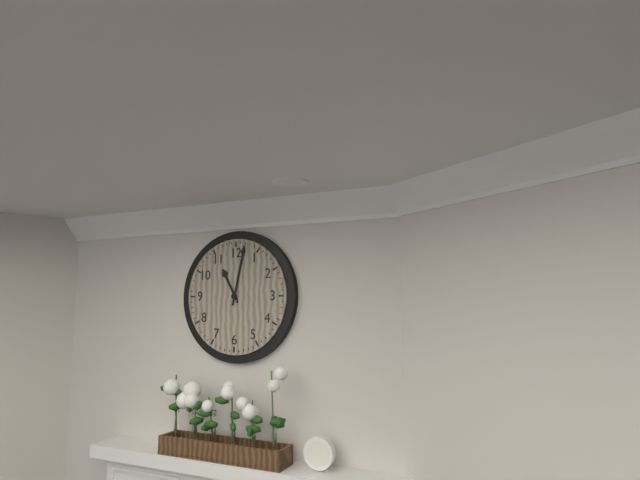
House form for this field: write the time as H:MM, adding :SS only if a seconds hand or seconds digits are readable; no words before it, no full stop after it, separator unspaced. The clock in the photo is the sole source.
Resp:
11:02
